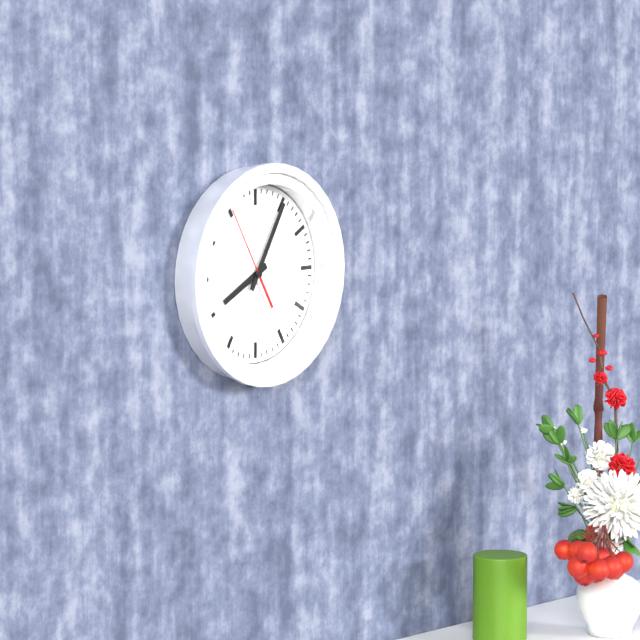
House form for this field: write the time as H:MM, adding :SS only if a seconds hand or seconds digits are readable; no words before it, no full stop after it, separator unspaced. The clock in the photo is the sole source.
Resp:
8:05:55
